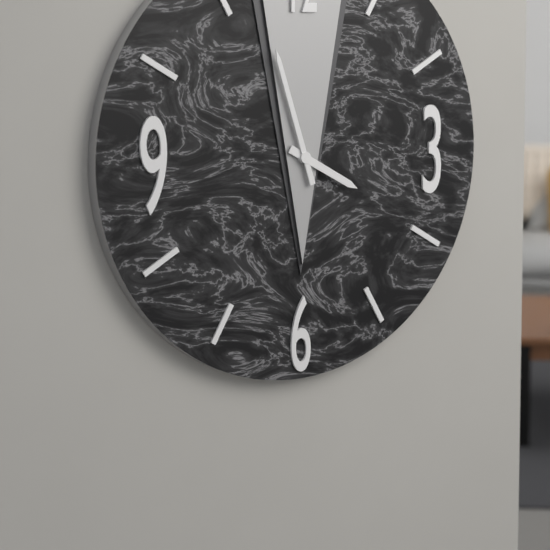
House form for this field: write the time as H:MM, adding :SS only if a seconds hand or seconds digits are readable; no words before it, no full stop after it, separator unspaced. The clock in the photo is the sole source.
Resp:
3:57
